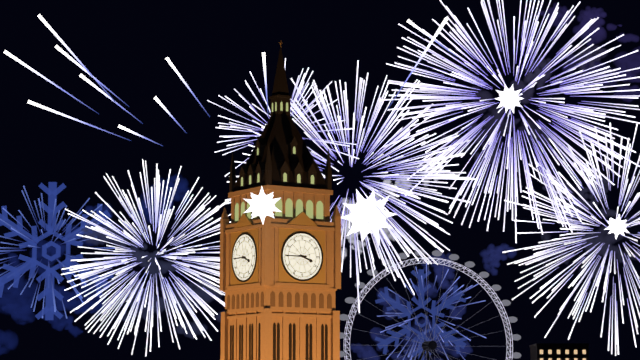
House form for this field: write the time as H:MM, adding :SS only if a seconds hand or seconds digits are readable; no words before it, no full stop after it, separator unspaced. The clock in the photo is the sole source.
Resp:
3:45
